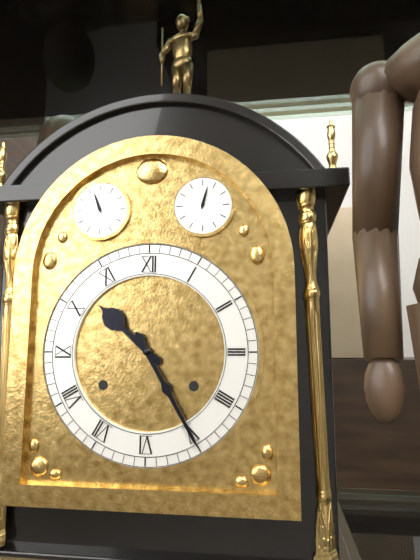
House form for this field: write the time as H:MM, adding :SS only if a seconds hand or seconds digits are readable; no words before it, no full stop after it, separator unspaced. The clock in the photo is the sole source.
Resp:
10:25
